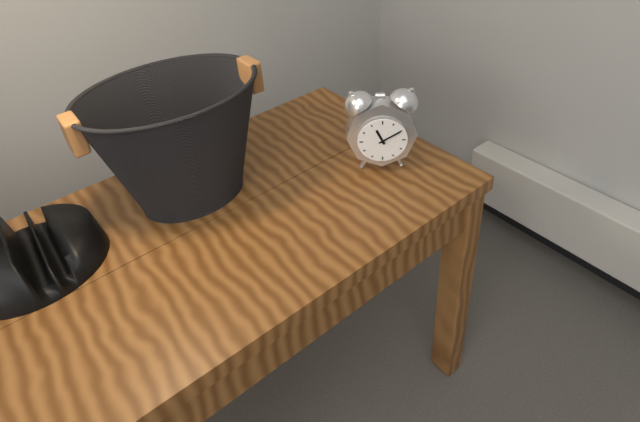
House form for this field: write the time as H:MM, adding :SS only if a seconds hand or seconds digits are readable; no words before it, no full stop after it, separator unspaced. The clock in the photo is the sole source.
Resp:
11:10
